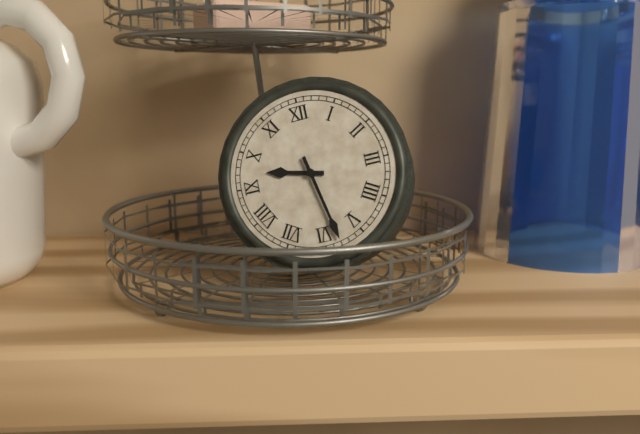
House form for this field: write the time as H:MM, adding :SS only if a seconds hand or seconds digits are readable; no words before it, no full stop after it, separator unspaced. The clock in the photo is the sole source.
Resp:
9:28
